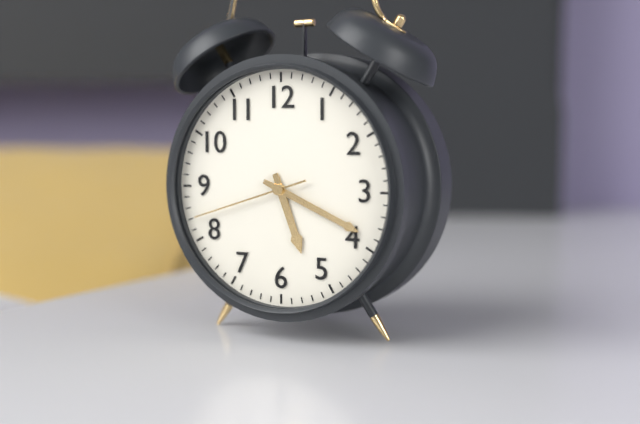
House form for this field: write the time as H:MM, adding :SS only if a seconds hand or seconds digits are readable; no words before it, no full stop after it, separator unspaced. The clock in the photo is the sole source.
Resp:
5:19:42
